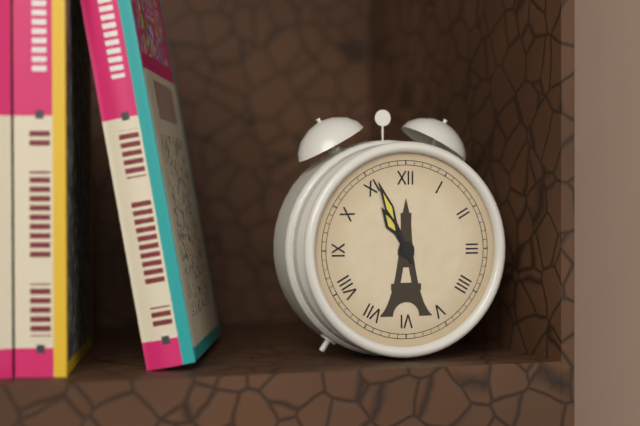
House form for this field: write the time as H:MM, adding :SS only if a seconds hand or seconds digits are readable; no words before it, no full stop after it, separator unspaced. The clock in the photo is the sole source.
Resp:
10:56
